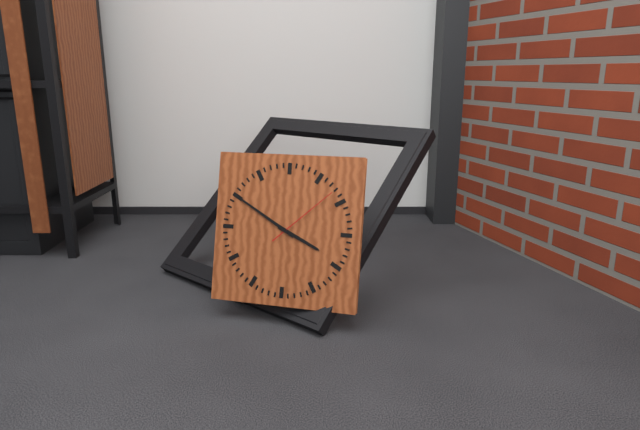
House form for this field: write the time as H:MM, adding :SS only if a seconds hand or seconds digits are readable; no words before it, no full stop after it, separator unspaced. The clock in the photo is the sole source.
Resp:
3:50:08
